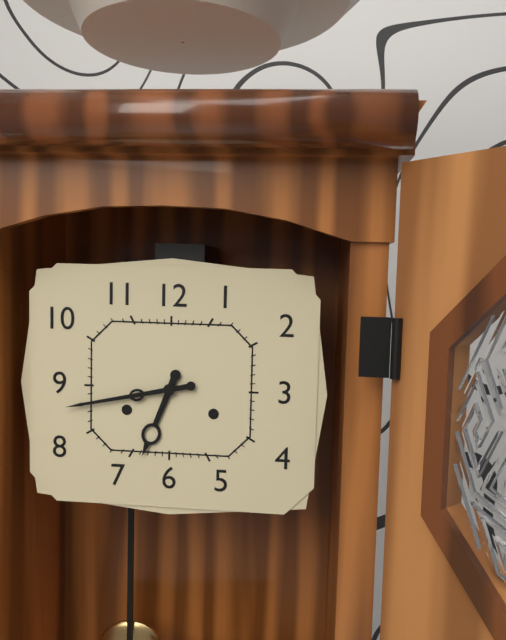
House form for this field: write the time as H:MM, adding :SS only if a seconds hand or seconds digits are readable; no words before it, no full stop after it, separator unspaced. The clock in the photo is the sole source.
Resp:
6:43
